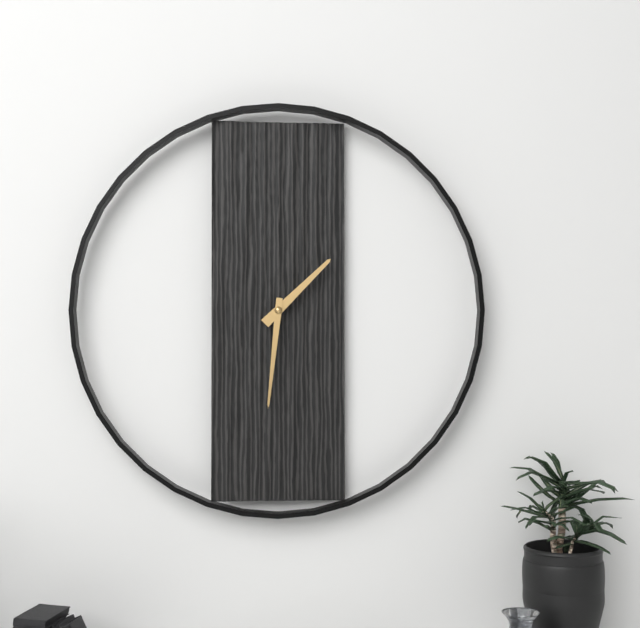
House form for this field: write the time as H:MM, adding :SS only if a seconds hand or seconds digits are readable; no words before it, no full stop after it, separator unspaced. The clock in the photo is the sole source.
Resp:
1:31
